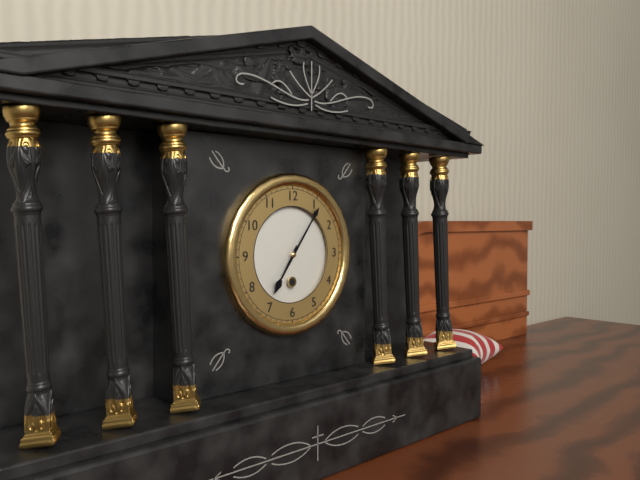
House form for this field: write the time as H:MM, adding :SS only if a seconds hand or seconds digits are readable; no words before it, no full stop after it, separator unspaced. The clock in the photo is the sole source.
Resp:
7:06
